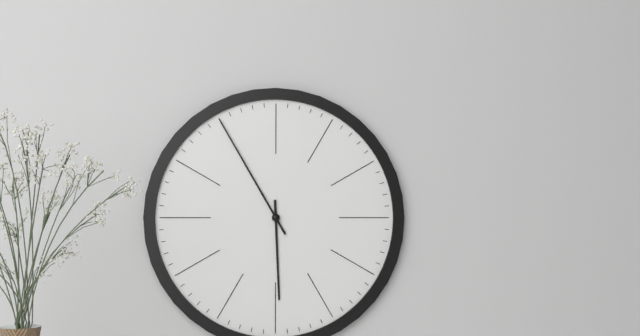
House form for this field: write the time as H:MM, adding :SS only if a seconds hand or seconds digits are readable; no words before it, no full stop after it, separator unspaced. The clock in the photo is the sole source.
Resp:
5:55
